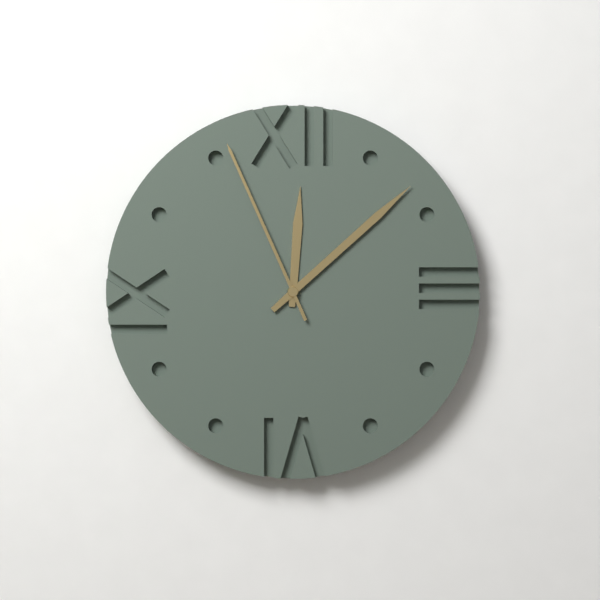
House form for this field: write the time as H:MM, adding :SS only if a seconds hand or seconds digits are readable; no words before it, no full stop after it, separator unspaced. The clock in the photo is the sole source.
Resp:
12:08:56
